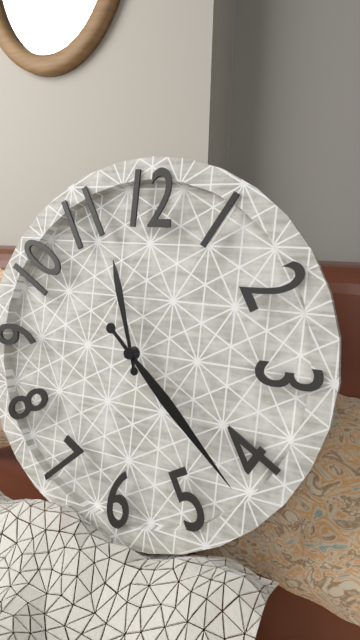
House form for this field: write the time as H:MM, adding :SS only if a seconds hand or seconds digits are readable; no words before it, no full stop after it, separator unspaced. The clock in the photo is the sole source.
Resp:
11:22
